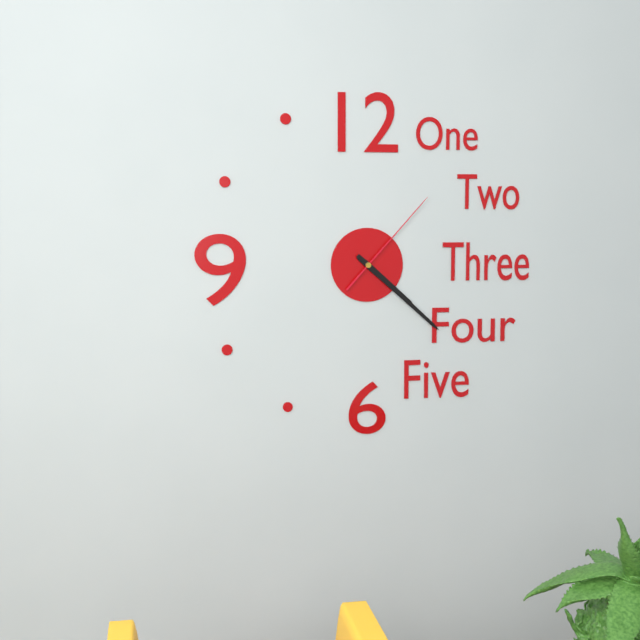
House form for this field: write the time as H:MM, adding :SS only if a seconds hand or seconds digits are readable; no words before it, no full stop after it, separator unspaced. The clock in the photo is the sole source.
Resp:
4:22:07
